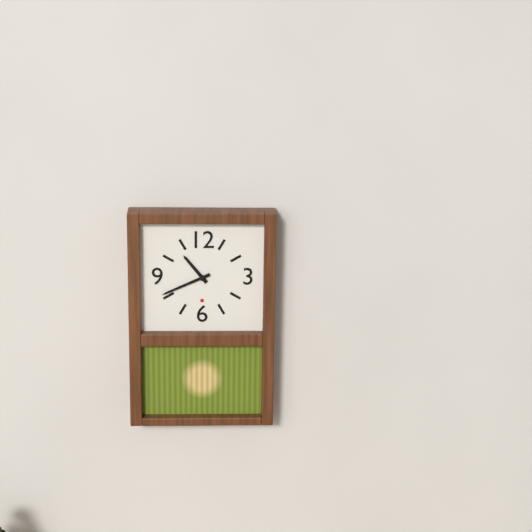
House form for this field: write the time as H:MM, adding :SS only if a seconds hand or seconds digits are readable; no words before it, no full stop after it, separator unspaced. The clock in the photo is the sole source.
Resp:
10:41
